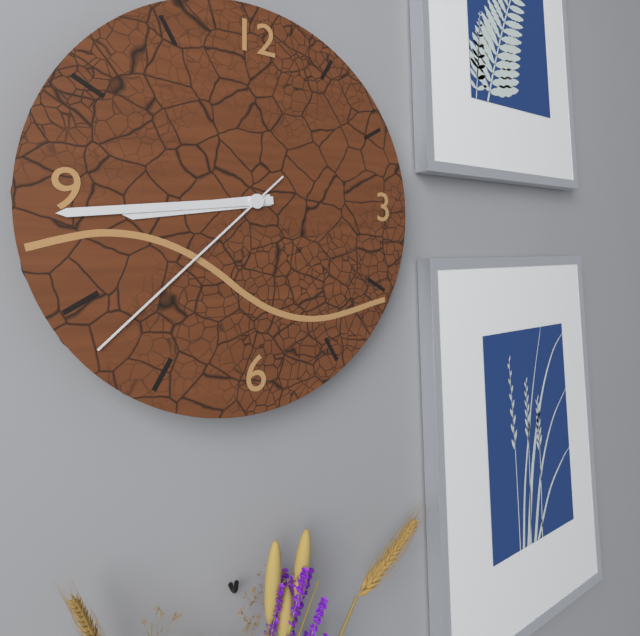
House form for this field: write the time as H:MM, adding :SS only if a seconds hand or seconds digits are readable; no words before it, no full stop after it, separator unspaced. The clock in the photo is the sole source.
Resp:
8:44:38
